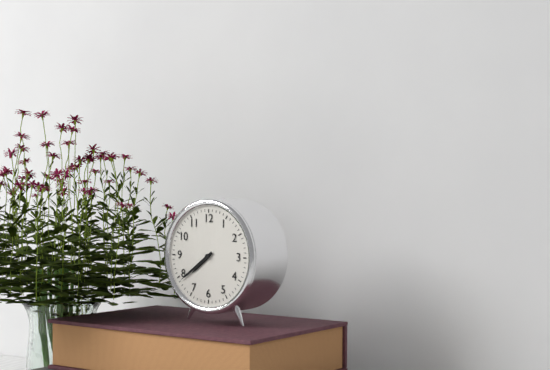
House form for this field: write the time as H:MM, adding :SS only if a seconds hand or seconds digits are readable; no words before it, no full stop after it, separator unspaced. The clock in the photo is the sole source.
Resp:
7:39
